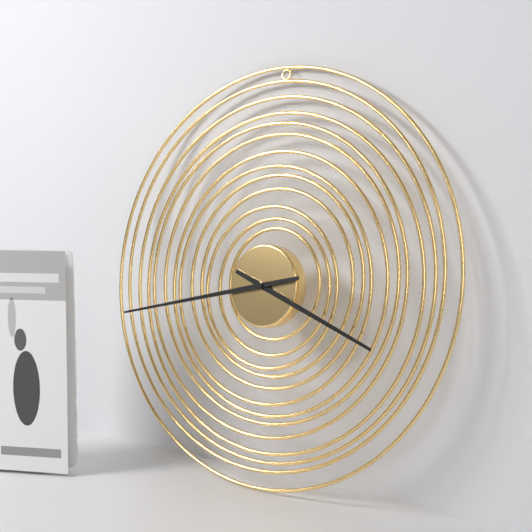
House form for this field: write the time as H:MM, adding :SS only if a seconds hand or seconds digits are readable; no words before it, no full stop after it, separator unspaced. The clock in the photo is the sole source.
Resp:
3:43
